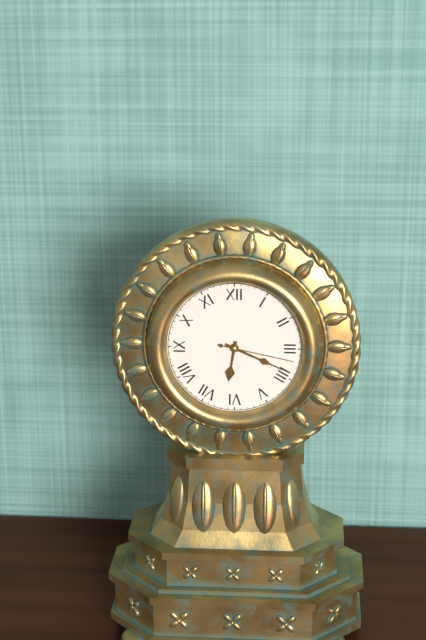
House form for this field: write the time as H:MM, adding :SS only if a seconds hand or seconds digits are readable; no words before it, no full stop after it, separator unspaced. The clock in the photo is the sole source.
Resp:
6:19:17
